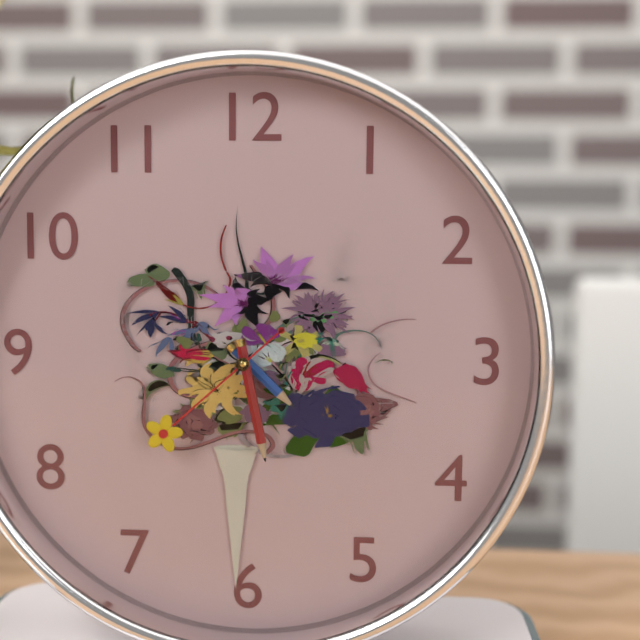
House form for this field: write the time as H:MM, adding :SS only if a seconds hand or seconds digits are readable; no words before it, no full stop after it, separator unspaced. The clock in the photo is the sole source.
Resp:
4:28:38
